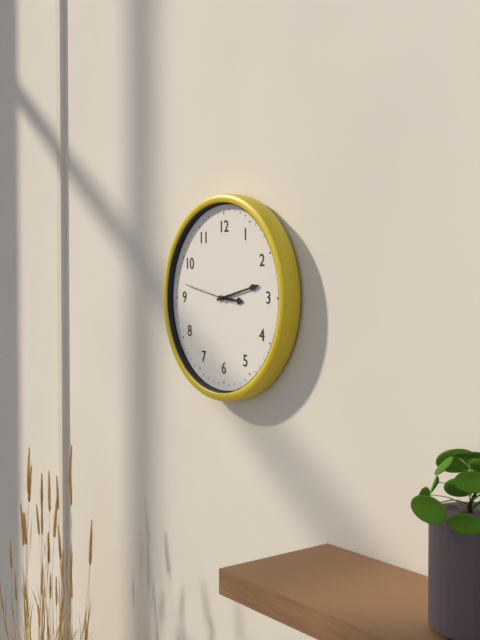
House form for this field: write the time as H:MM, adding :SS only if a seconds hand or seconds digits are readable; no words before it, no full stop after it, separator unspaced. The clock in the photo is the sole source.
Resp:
3:13
